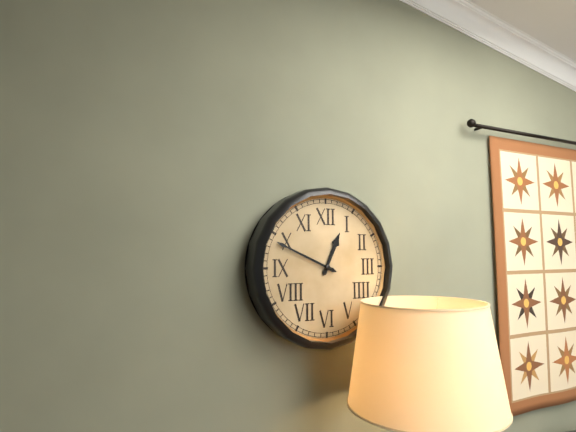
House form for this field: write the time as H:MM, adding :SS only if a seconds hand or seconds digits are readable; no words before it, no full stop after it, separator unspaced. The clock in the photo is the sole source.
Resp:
12:49
